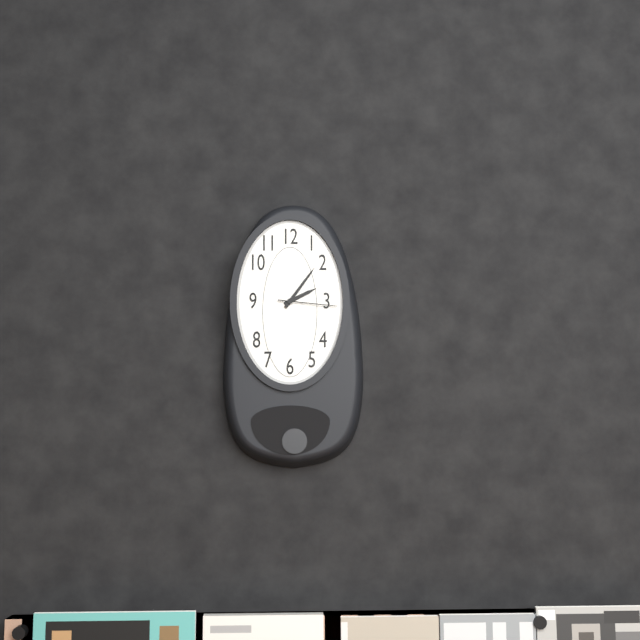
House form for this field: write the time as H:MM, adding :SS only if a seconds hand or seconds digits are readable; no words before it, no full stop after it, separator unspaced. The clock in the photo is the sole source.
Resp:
2:06:16
